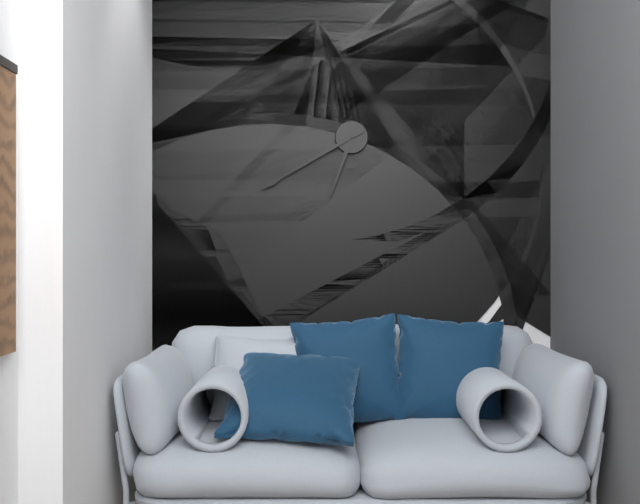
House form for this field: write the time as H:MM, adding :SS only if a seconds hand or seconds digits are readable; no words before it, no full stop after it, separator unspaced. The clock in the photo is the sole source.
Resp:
6:40
